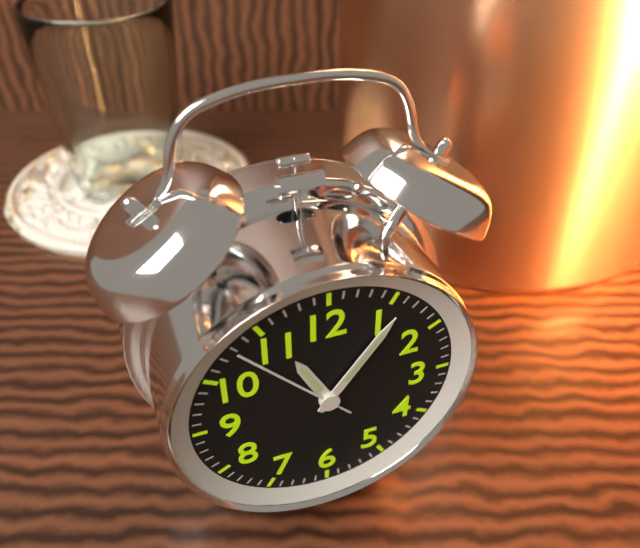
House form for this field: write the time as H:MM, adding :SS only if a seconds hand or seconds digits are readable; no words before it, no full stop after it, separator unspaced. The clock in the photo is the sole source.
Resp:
11:06:53
